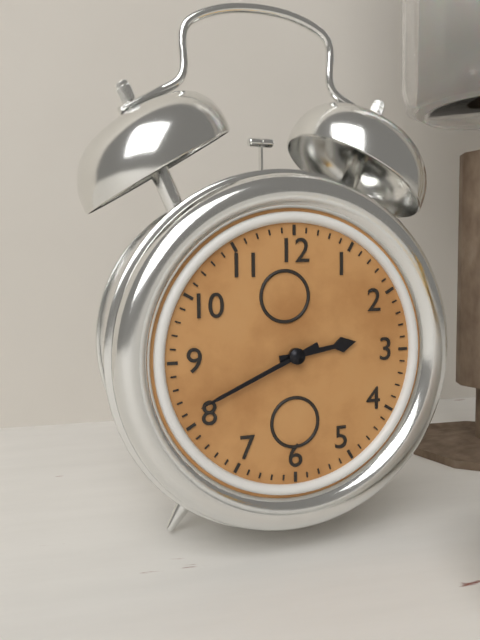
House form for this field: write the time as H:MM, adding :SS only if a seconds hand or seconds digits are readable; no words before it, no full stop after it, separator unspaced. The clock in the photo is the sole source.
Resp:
2:41
